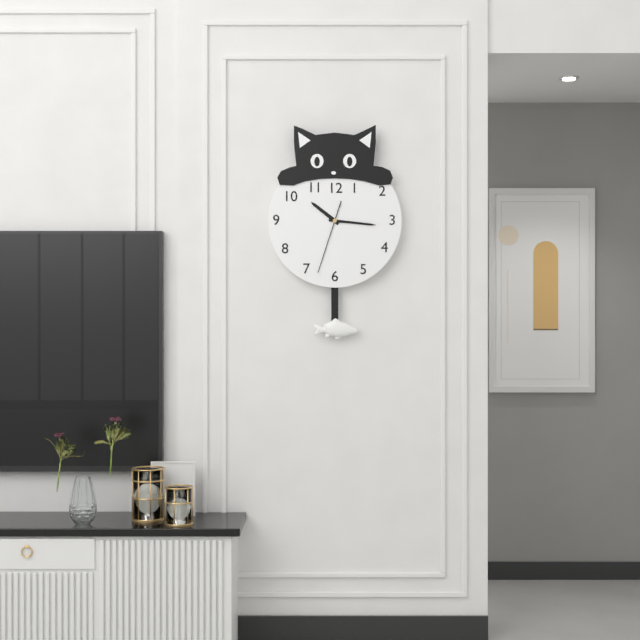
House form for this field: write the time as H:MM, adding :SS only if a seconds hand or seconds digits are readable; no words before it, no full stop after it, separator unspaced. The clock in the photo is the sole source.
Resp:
10:16:33
